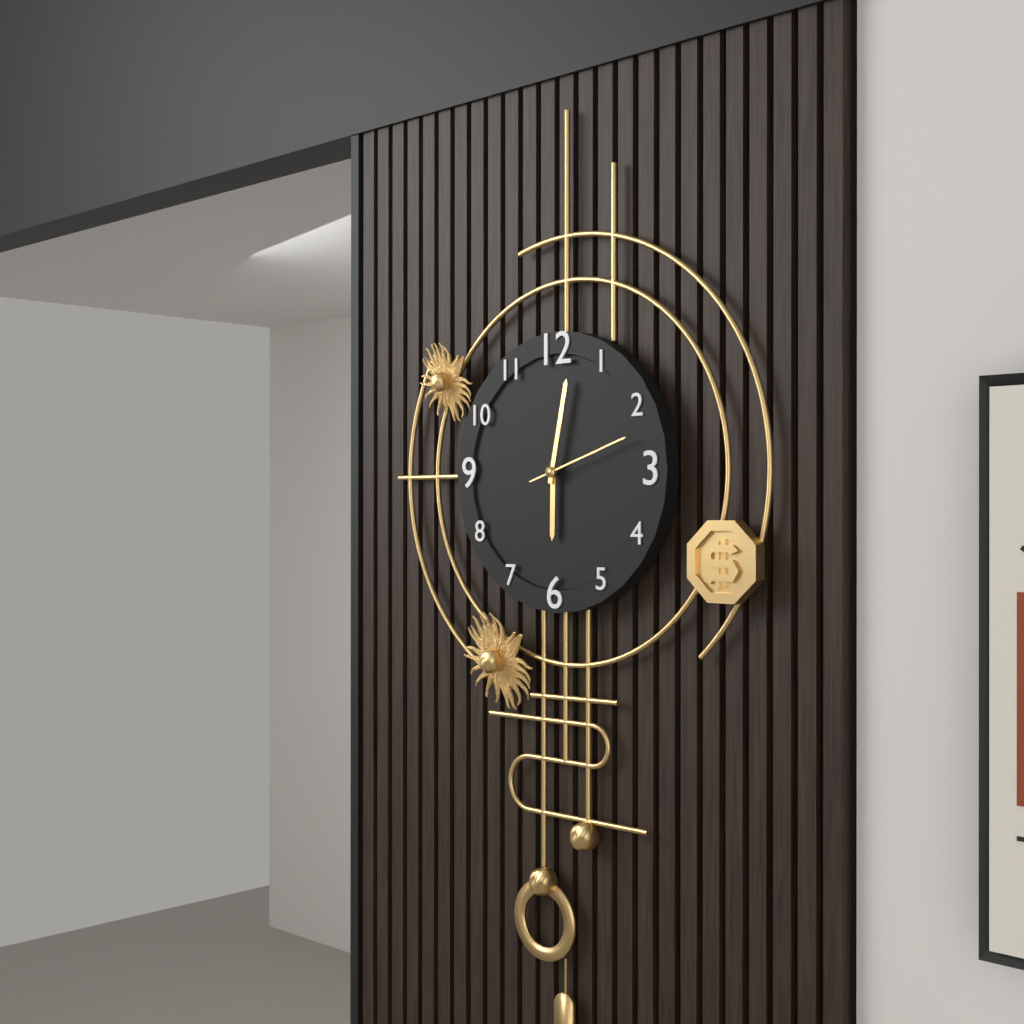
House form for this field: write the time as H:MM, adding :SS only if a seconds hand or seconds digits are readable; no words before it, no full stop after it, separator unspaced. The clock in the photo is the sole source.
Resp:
6:02:12
